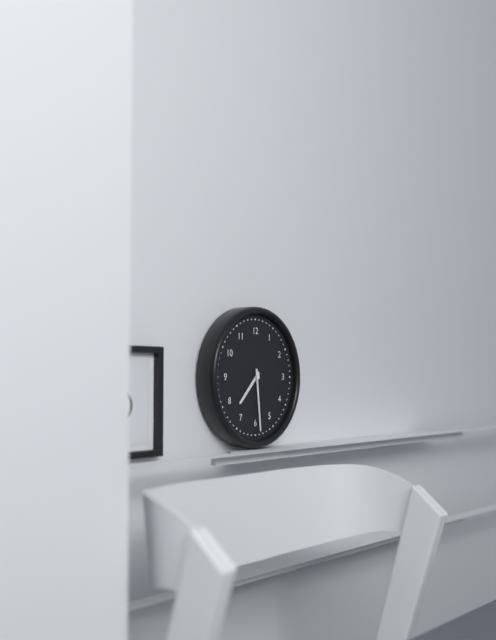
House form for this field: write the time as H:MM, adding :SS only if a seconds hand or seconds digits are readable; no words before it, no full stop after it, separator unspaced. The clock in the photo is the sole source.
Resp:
7:29
